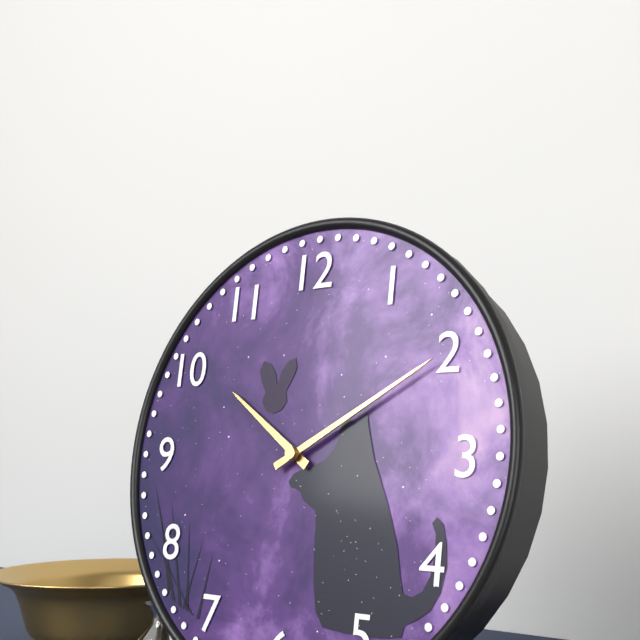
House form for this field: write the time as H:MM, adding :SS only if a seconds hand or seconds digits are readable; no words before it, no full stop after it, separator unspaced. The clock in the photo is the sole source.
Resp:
10:10
